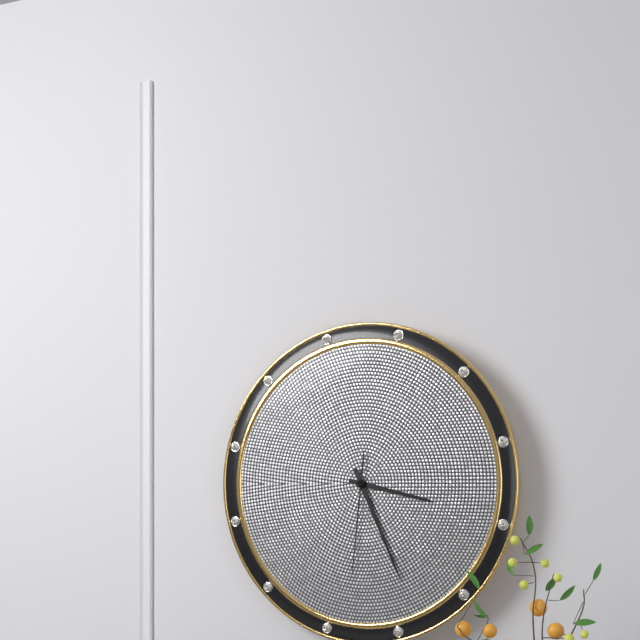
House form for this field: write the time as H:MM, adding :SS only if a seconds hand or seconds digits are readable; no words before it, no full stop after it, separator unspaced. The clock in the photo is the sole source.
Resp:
3:26:31
